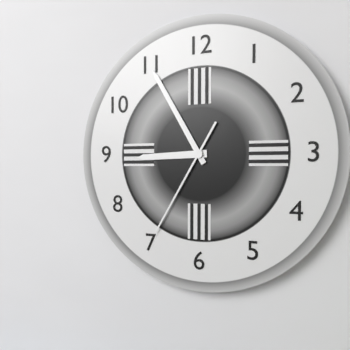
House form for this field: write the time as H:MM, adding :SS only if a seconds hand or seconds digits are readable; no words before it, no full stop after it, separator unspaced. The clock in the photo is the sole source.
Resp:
8:55:35
